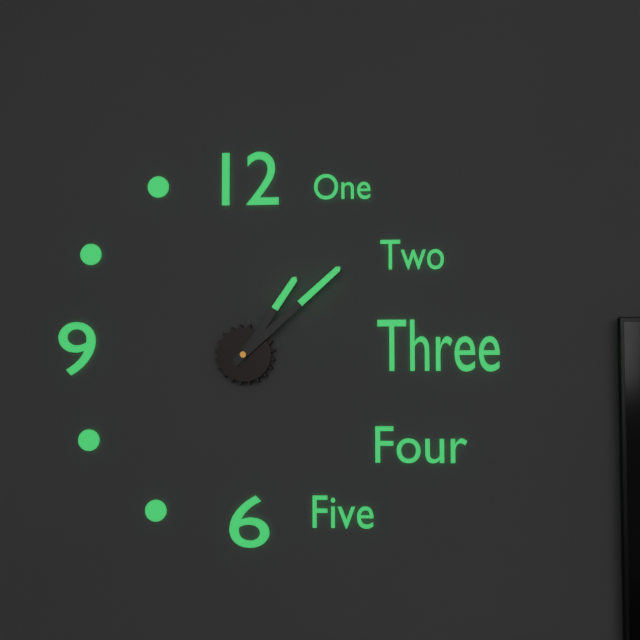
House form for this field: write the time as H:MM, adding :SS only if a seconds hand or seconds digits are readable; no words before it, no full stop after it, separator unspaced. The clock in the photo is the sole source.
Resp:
1:08
